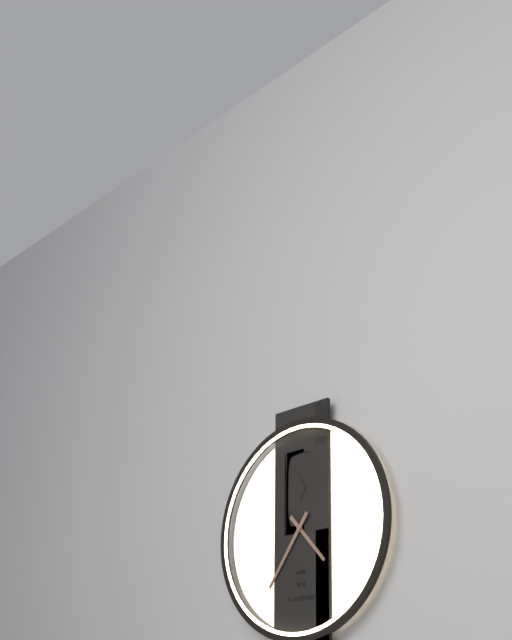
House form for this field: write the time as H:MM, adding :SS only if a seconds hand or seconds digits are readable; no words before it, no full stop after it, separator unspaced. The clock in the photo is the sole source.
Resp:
4:36
